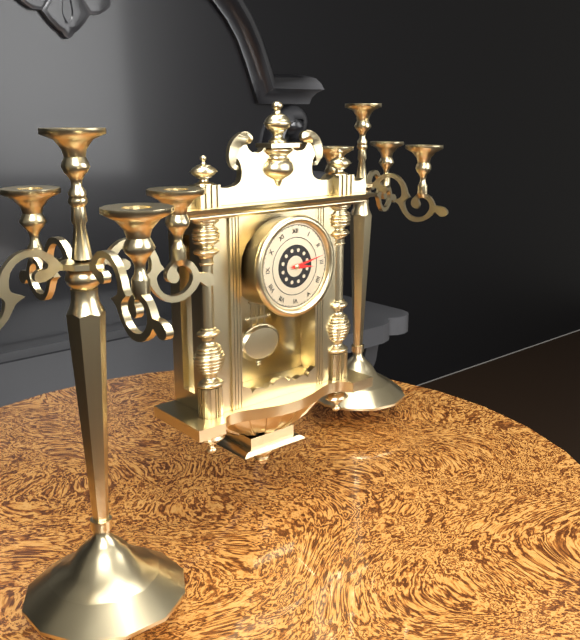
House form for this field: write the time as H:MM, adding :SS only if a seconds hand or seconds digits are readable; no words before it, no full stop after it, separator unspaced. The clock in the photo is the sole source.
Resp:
3:13
